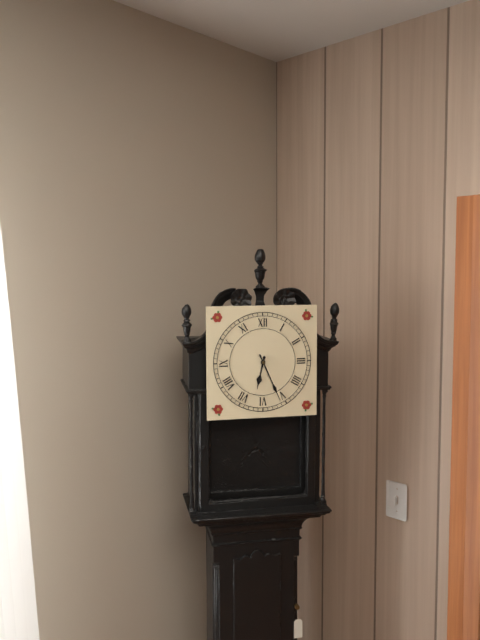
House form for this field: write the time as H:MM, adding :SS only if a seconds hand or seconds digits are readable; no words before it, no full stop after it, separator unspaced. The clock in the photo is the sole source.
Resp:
6:26
